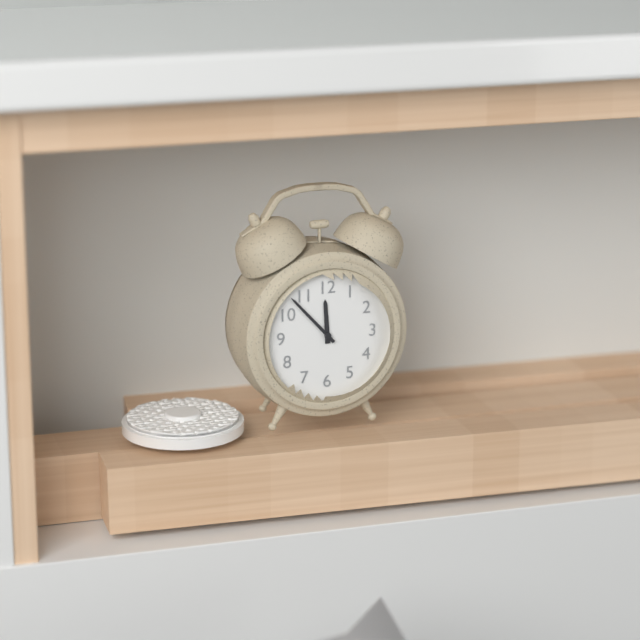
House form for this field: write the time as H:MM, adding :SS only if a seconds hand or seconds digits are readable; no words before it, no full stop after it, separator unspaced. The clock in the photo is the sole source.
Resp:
11:53
